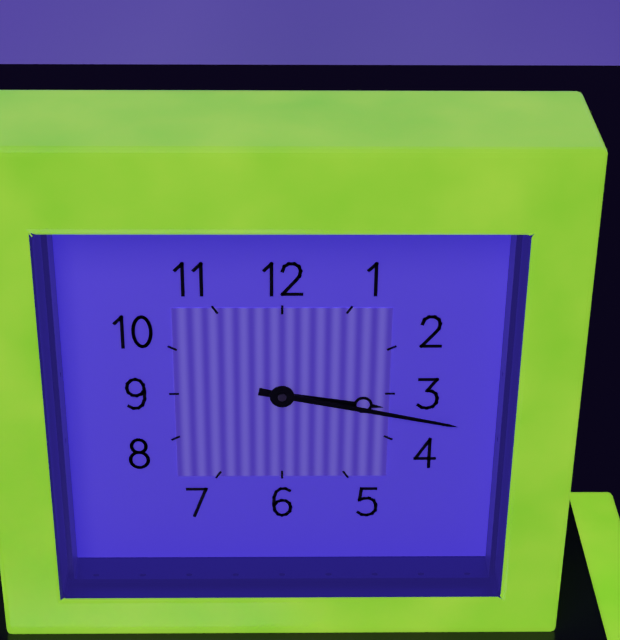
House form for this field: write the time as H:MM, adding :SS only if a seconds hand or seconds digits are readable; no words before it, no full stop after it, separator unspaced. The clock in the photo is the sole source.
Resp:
3:17
